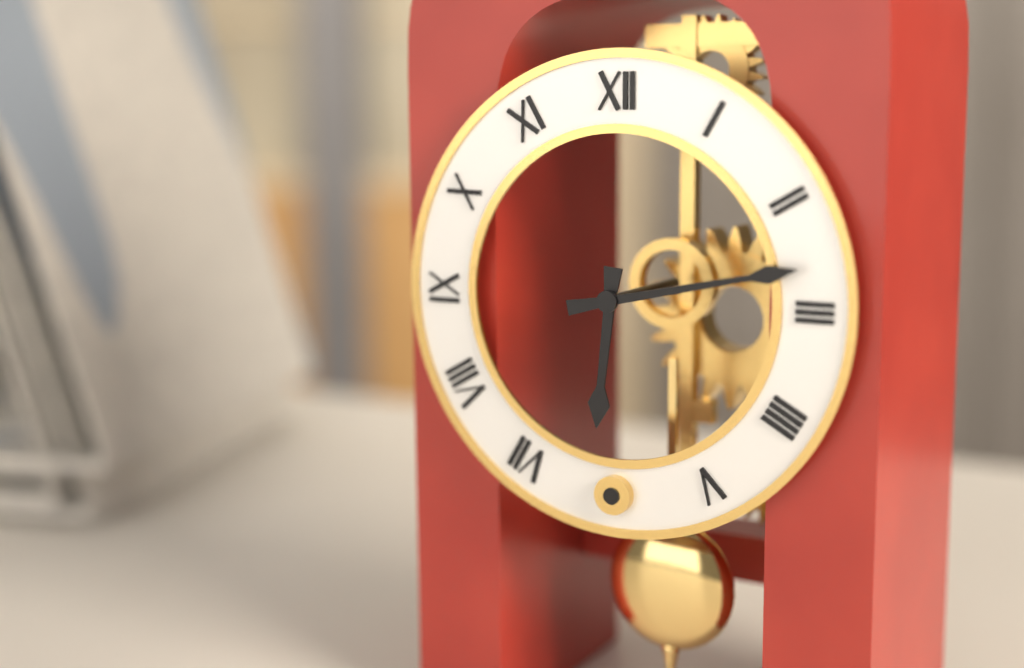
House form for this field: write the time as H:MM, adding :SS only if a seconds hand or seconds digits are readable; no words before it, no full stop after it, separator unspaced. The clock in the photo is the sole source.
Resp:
6:13
